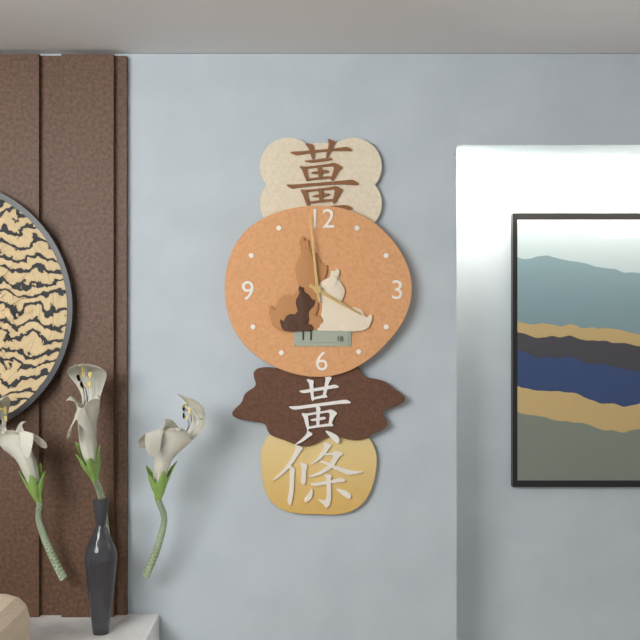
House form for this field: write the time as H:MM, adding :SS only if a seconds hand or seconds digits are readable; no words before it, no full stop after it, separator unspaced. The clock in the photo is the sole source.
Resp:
3:59
